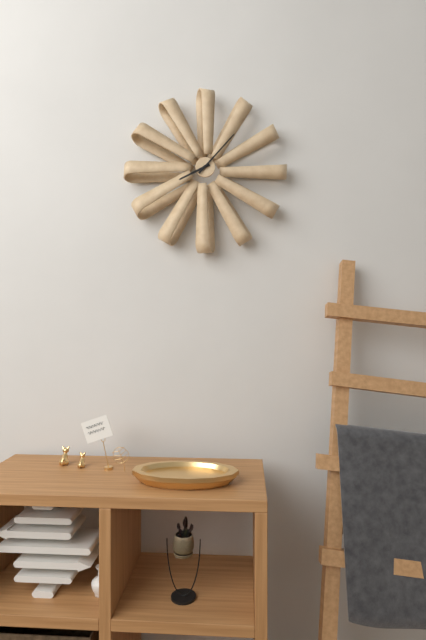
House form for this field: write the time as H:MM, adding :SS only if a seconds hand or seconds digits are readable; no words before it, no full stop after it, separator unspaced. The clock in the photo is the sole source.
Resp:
8:07
